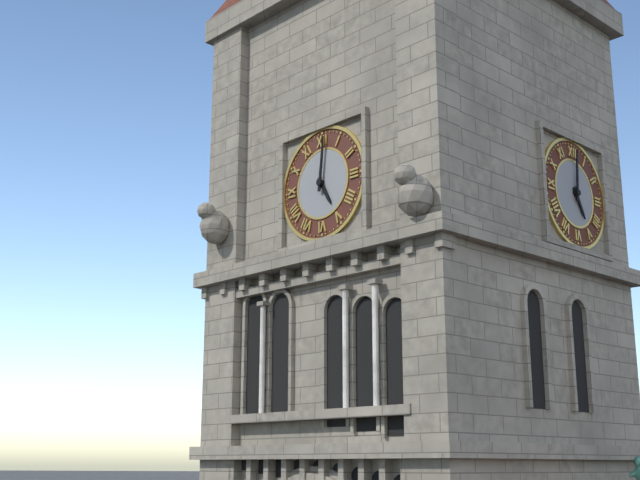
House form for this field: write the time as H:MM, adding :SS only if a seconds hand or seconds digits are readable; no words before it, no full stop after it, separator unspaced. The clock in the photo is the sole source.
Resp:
5:01
